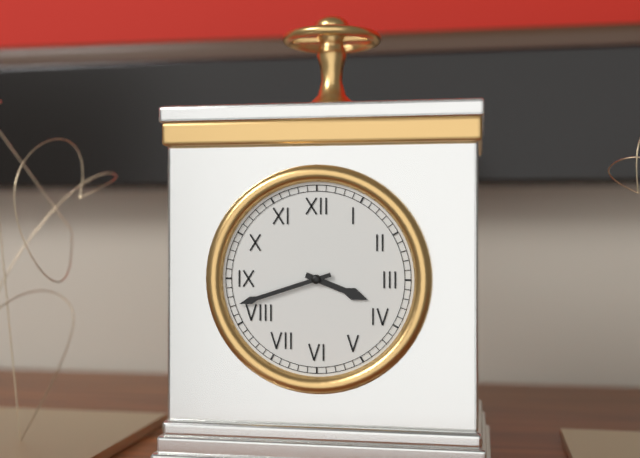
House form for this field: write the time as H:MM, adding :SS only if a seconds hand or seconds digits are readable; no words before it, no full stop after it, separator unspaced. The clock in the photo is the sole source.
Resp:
3:42
